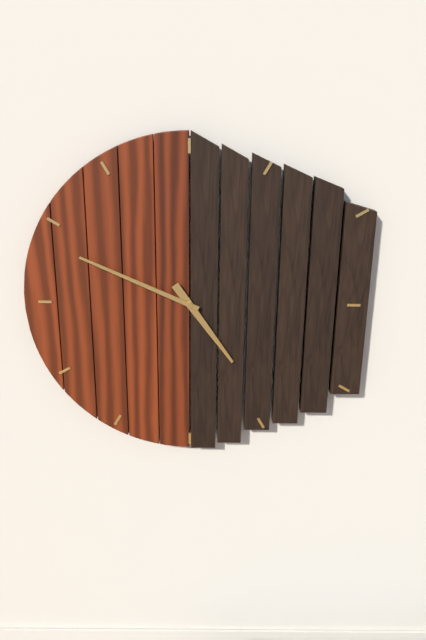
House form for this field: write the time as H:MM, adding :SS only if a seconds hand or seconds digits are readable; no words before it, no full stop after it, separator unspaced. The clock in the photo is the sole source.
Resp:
4:49
